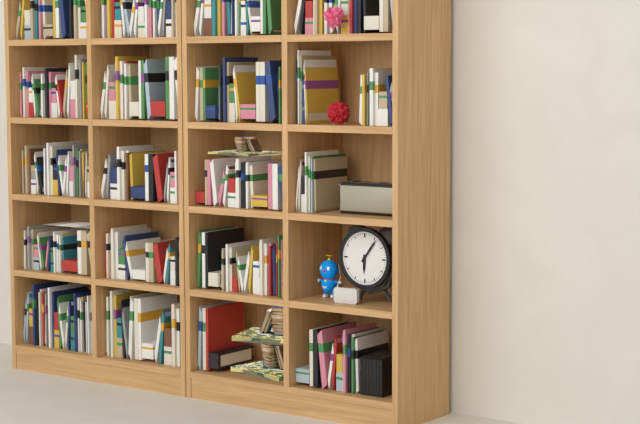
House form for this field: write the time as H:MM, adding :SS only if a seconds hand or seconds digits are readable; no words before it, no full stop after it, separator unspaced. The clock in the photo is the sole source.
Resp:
6:06
